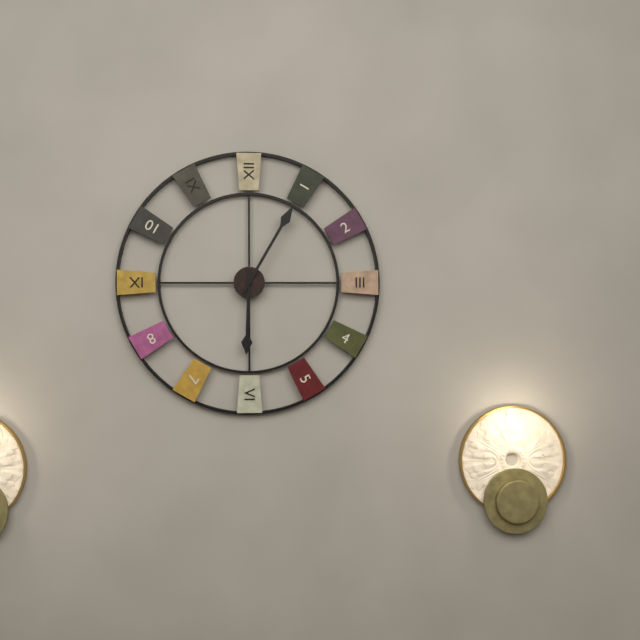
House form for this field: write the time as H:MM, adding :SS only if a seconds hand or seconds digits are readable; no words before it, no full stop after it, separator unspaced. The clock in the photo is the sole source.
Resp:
6:05
